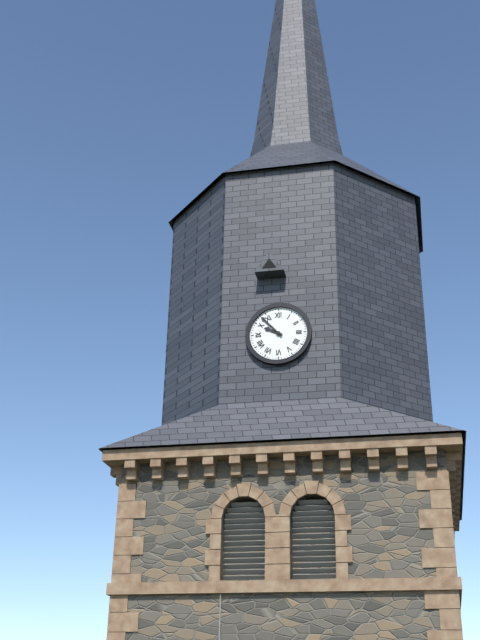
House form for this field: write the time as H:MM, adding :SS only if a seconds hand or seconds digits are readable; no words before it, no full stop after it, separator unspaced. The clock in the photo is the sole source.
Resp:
9:53
